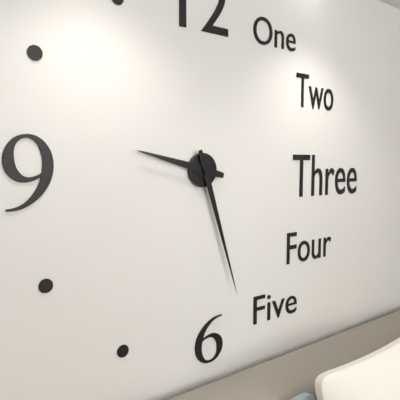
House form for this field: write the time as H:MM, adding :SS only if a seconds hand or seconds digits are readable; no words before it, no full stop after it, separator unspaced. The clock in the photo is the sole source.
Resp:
9:27
